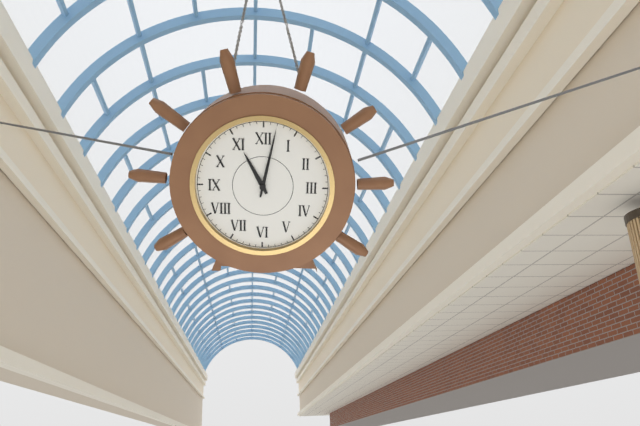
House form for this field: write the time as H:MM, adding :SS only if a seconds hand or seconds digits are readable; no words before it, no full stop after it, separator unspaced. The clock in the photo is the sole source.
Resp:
11:02
